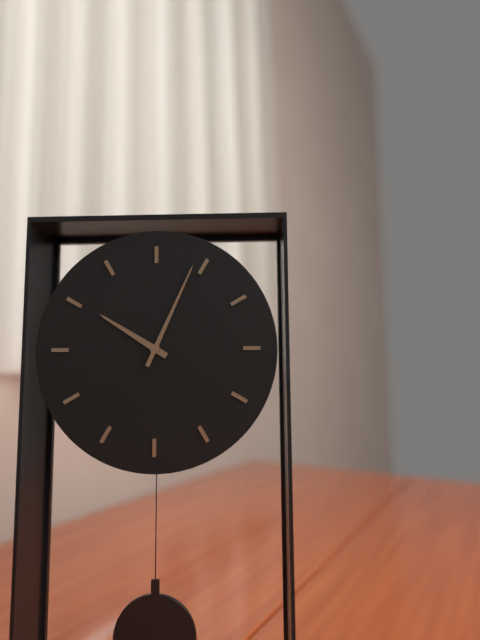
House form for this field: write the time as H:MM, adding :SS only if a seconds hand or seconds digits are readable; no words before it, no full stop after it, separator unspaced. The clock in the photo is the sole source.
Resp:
10:04
